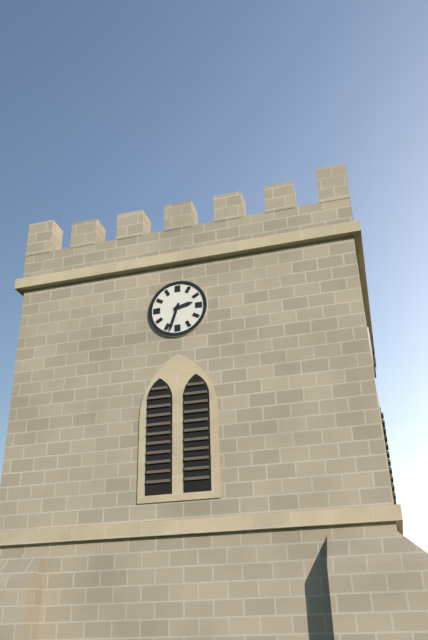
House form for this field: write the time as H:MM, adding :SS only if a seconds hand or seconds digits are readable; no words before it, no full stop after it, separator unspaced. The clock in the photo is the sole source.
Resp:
2:33
